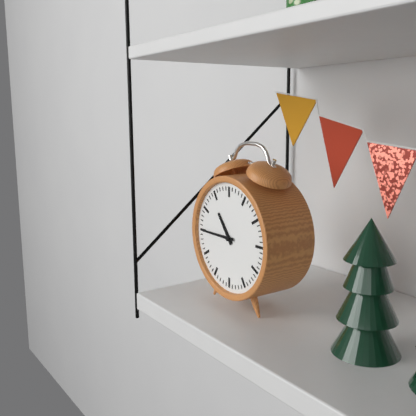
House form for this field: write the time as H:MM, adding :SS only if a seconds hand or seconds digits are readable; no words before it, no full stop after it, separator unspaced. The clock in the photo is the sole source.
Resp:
10:45
